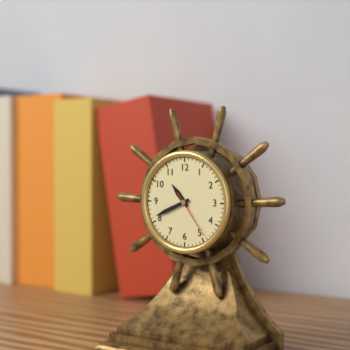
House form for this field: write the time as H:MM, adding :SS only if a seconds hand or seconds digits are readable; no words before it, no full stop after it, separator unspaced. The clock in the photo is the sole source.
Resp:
10:41
